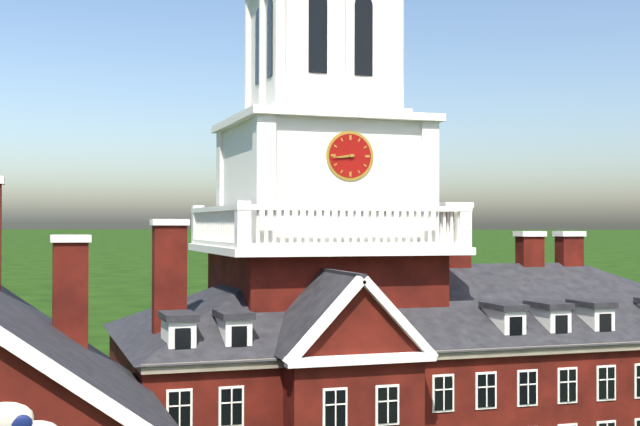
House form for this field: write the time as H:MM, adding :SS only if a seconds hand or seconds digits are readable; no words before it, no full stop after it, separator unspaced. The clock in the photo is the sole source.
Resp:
8:44
